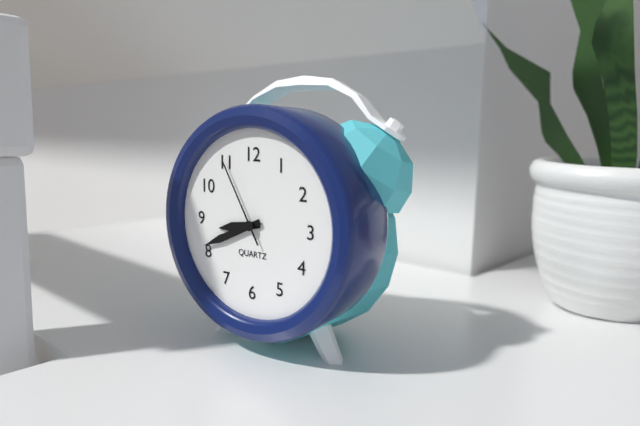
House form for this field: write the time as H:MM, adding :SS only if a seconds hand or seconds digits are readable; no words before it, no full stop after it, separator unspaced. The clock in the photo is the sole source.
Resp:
8:41:55
